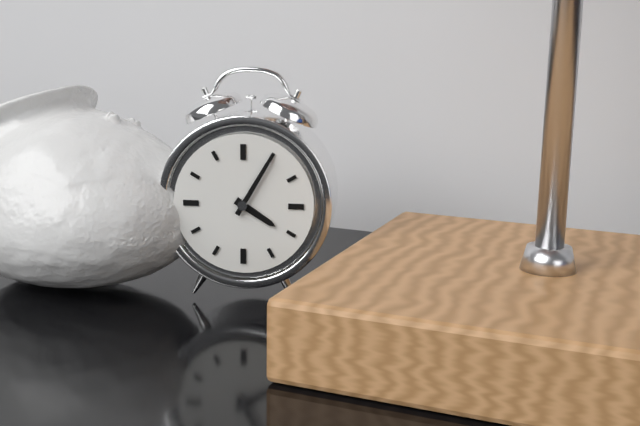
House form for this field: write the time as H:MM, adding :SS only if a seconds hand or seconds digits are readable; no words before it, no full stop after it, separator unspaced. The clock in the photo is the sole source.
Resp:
4:05
